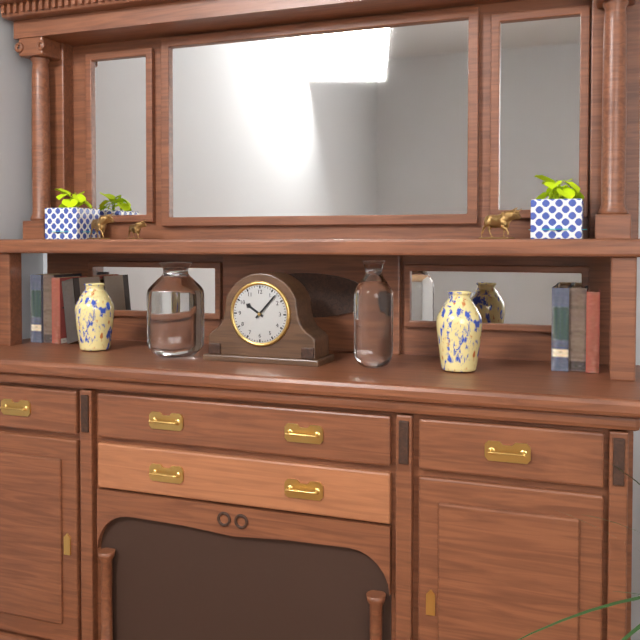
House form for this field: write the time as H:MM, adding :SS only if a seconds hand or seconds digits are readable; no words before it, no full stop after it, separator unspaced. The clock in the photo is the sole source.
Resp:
10:07
